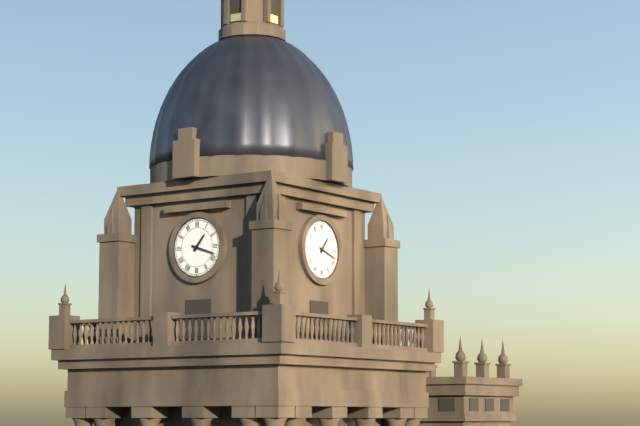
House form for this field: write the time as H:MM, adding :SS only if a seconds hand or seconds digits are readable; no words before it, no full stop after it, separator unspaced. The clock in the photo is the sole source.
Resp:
1:18
